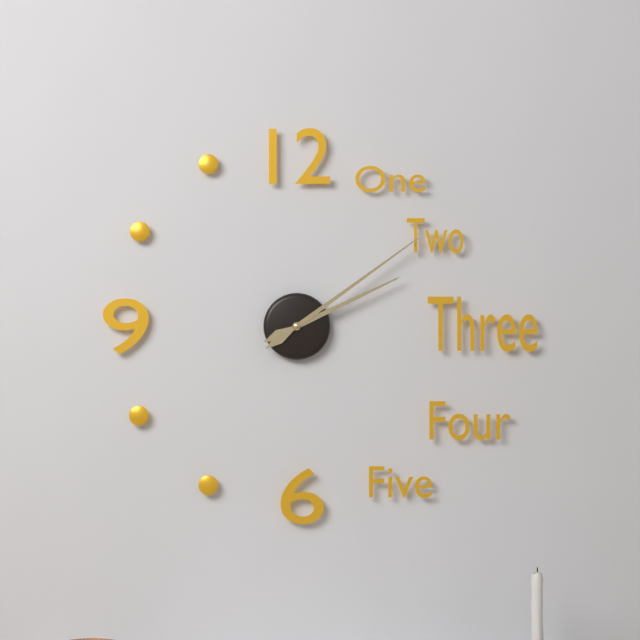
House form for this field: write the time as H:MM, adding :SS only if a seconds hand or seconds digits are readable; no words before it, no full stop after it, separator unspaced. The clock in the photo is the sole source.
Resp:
2:09
